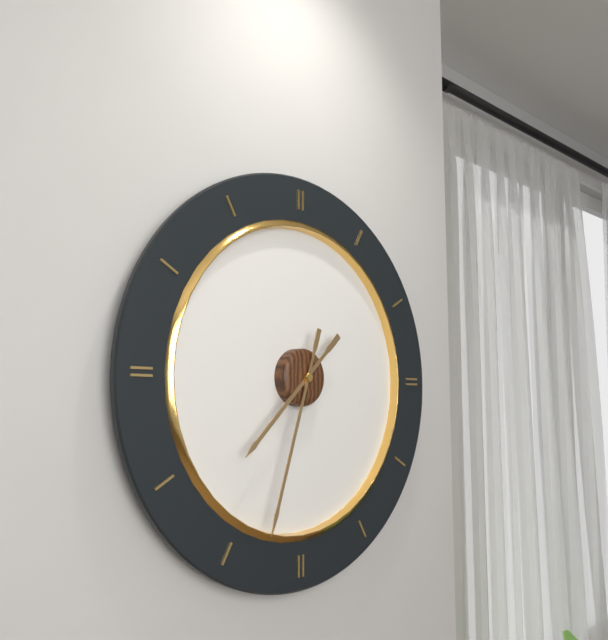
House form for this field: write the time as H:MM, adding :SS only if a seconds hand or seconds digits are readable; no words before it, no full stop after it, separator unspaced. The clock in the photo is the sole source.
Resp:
7:33
